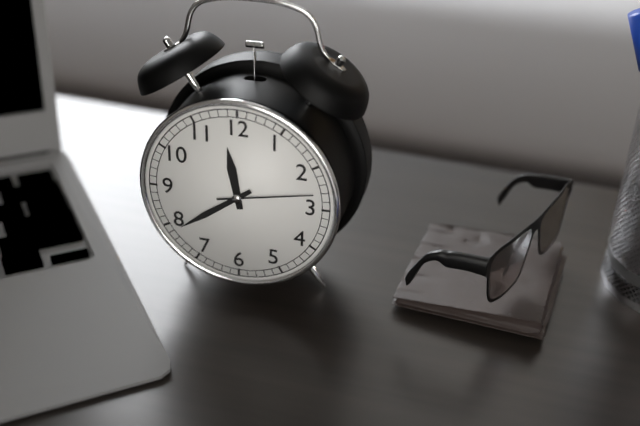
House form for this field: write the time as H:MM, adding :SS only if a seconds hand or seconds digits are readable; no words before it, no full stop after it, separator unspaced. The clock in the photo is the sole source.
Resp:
11:39:13
